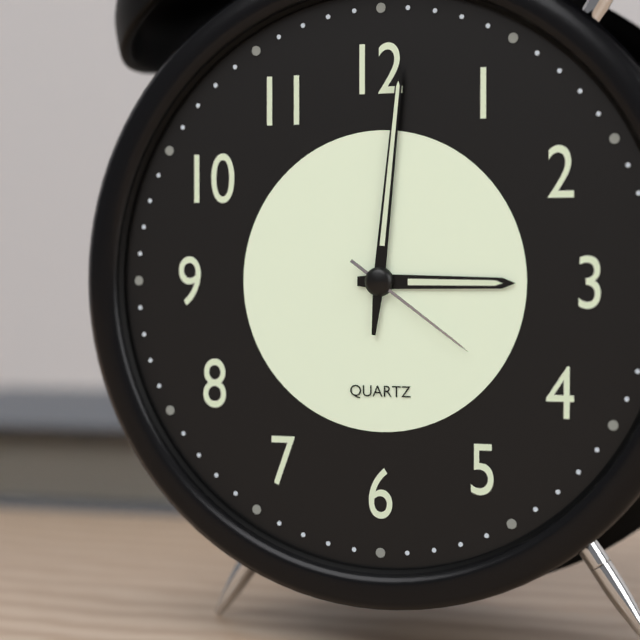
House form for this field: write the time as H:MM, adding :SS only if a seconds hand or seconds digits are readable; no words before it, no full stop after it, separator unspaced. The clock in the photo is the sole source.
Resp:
3:01:21
